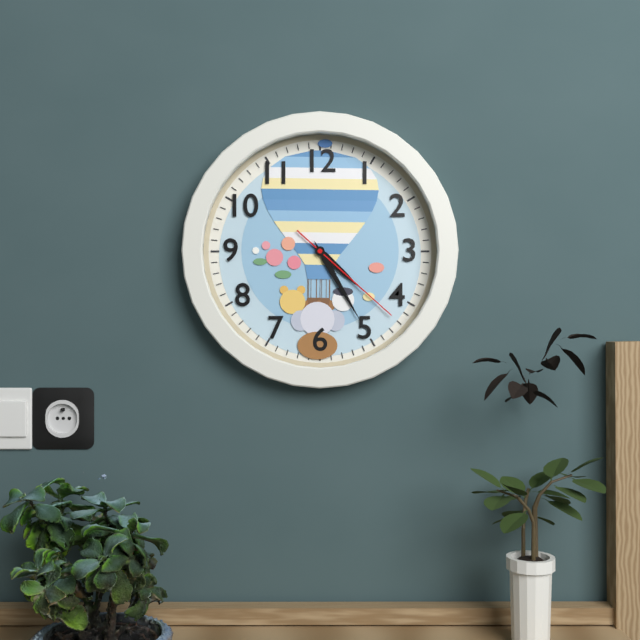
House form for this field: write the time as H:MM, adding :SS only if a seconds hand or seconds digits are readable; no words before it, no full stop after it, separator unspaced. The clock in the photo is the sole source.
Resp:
4:25:22
